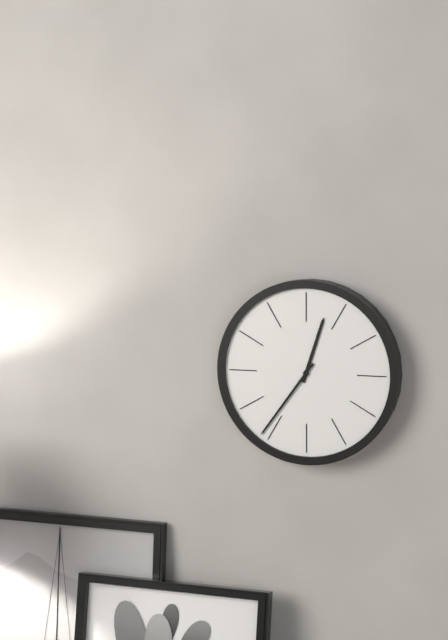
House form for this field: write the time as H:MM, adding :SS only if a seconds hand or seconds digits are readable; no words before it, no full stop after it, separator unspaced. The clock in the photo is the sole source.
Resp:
12:36
